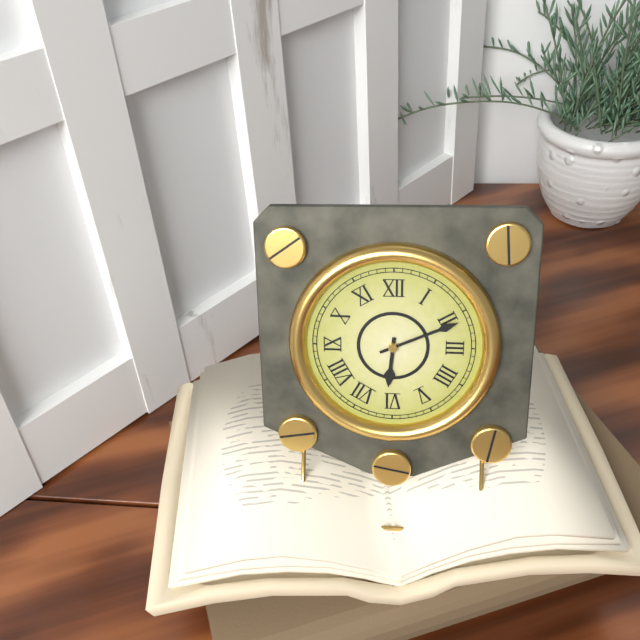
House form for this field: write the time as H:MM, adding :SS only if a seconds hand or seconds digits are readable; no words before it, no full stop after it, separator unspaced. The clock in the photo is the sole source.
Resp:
6:11
